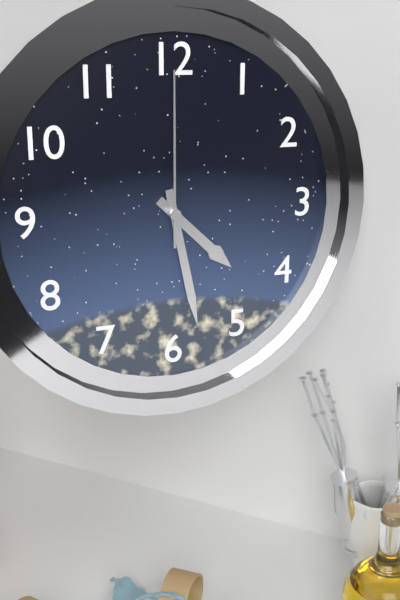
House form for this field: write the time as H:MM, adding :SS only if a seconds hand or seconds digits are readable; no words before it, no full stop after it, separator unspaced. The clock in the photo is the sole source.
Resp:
4:28:00
